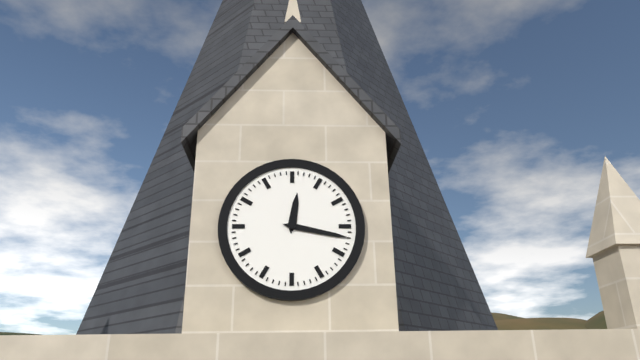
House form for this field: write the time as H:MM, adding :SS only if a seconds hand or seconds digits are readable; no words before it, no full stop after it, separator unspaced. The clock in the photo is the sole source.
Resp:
12:17
